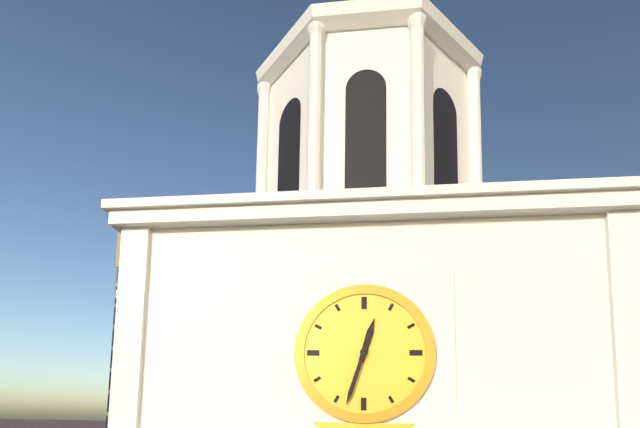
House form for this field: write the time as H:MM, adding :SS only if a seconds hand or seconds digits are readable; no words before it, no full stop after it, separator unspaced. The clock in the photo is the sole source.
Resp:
12:33
